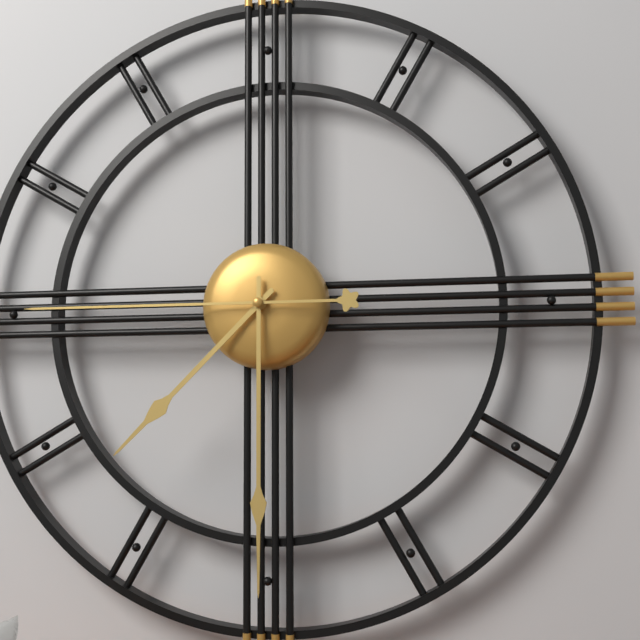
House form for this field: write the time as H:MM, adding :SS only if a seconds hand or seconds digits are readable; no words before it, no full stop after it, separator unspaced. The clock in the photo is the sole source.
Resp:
7:30:45
